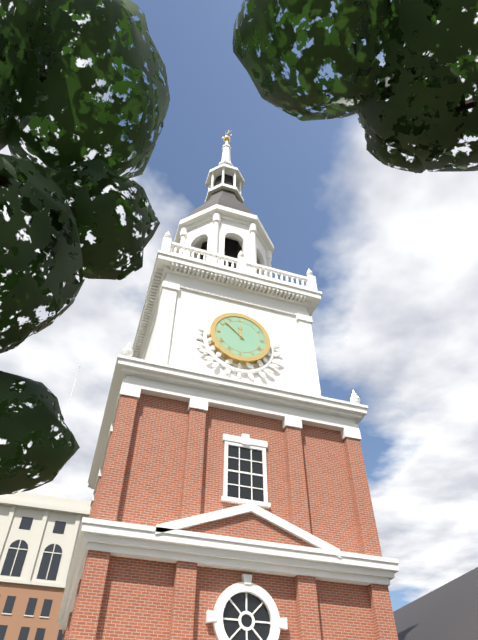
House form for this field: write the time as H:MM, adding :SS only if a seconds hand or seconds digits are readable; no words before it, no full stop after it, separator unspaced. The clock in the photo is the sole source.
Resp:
11:52
